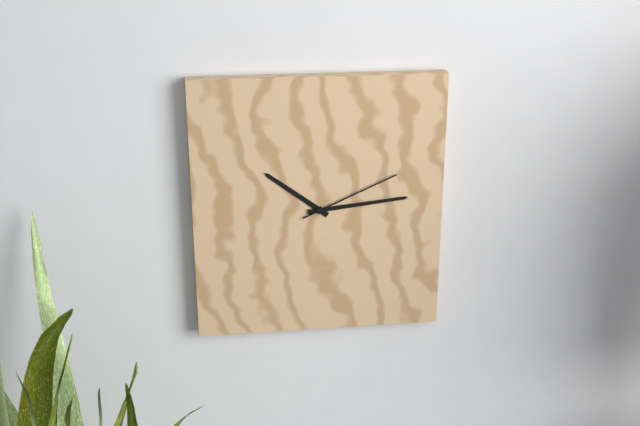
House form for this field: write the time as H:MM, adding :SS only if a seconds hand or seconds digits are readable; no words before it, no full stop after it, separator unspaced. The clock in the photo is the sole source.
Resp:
10:14:11
